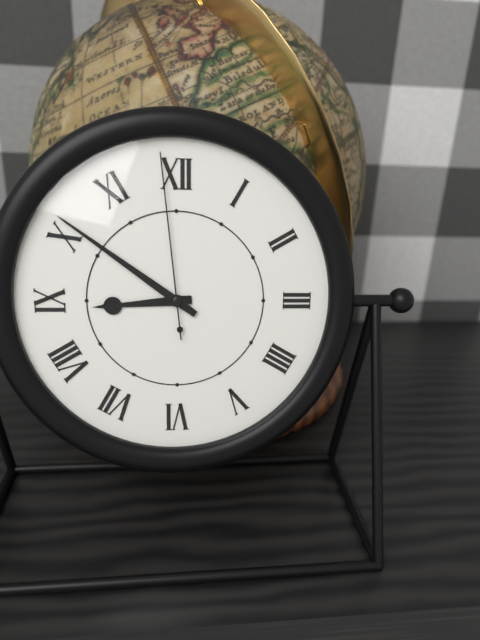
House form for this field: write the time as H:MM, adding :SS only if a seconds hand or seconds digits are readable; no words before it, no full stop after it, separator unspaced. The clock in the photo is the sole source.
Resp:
8:51:59
